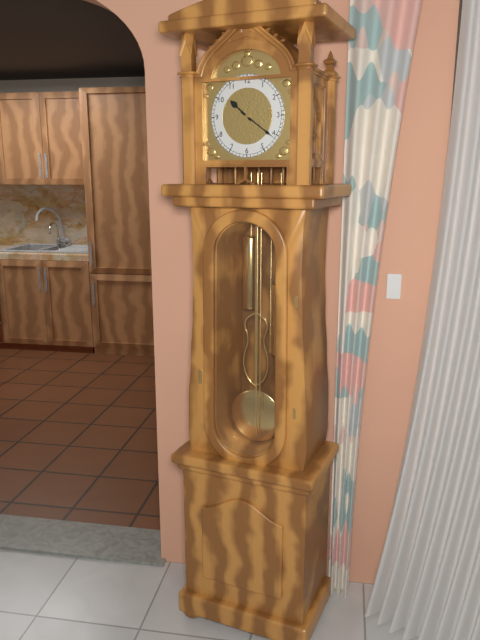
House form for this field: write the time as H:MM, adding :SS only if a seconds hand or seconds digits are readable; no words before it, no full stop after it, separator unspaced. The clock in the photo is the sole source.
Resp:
10:21
